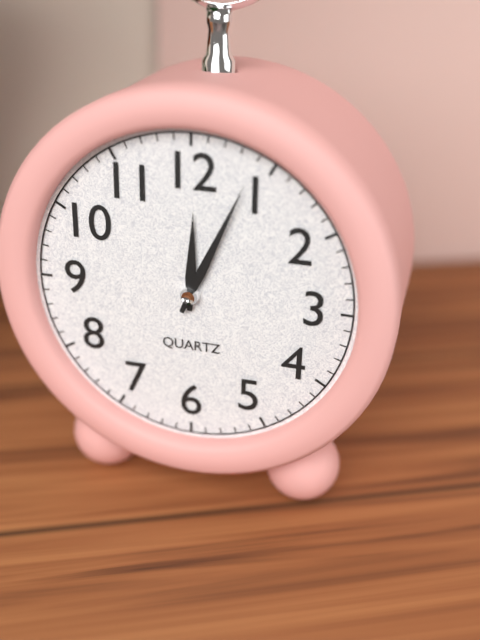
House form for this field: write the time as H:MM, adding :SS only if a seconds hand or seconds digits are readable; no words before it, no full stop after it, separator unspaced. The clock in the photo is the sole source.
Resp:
12:04
